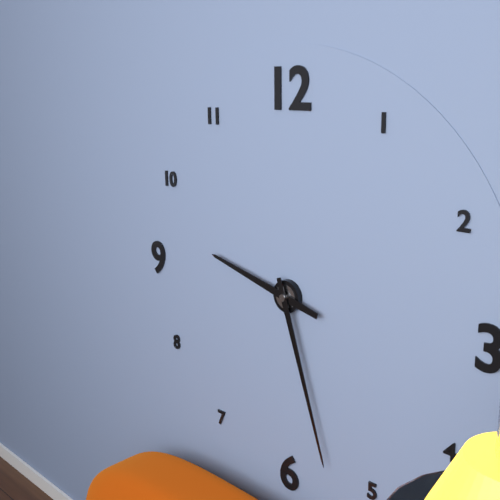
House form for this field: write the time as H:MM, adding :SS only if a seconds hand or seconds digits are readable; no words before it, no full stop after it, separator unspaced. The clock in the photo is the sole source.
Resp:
9:27
